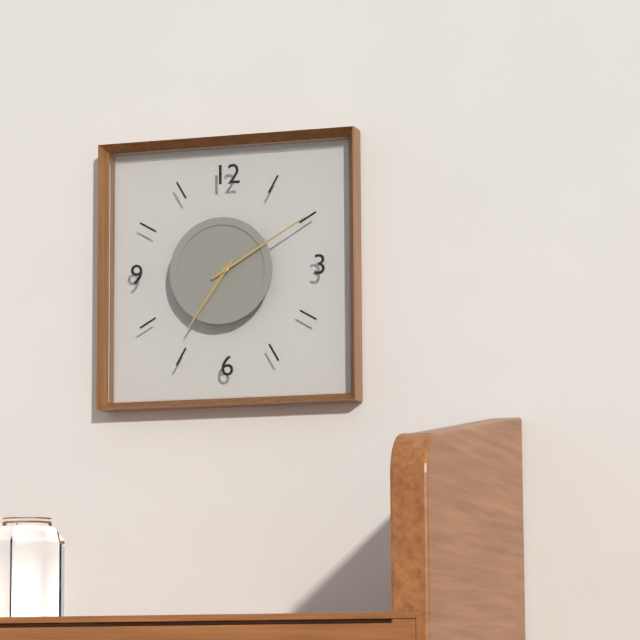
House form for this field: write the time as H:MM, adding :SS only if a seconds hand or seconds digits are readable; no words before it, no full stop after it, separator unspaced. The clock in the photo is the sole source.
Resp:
7:10
